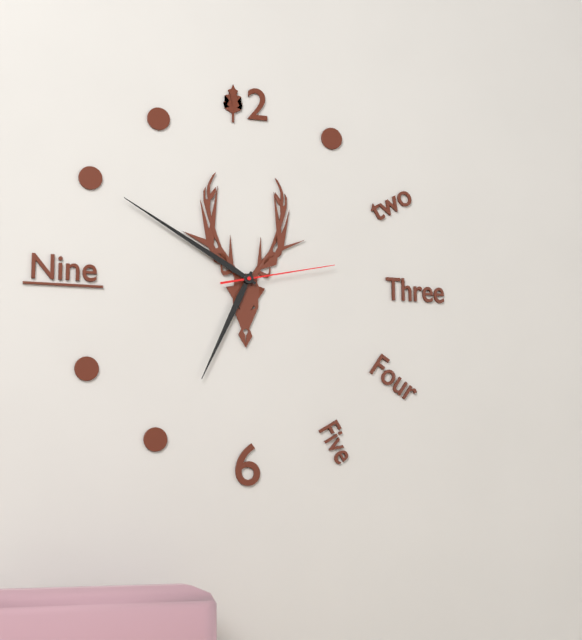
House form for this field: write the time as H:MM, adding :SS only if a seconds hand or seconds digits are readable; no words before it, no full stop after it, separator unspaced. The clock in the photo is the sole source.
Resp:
6:50:13
